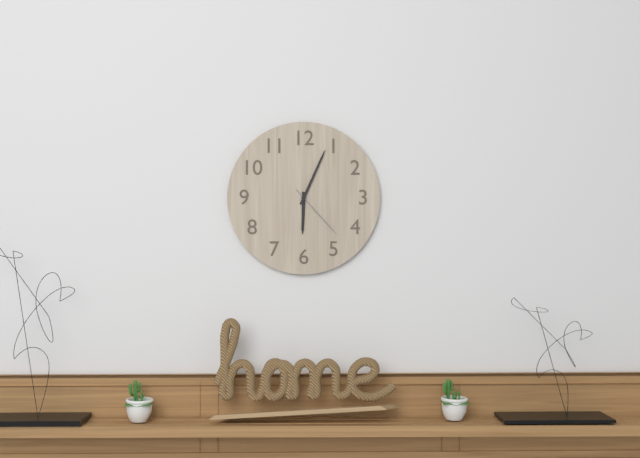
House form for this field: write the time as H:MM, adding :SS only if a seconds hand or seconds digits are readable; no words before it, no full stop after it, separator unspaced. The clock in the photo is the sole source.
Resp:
6:04:23
